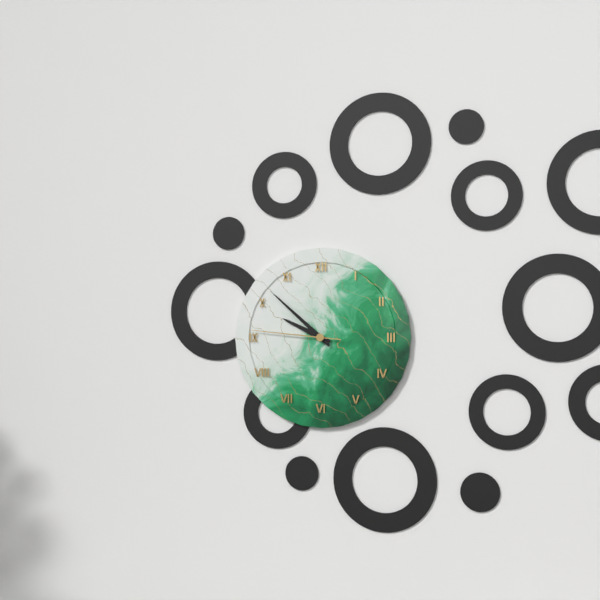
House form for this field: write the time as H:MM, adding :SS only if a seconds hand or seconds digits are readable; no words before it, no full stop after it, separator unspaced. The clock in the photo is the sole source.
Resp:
9:52:46
